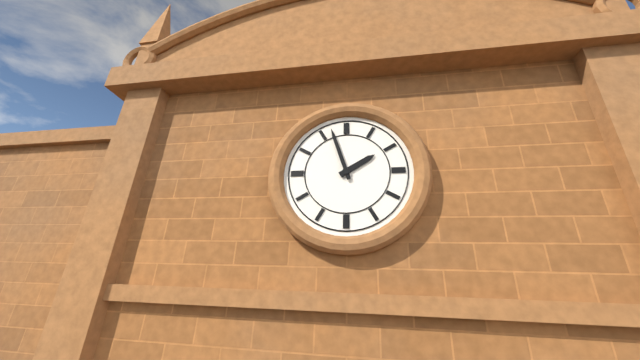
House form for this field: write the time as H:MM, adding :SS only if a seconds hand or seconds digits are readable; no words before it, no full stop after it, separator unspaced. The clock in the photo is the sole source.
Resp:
1:57
